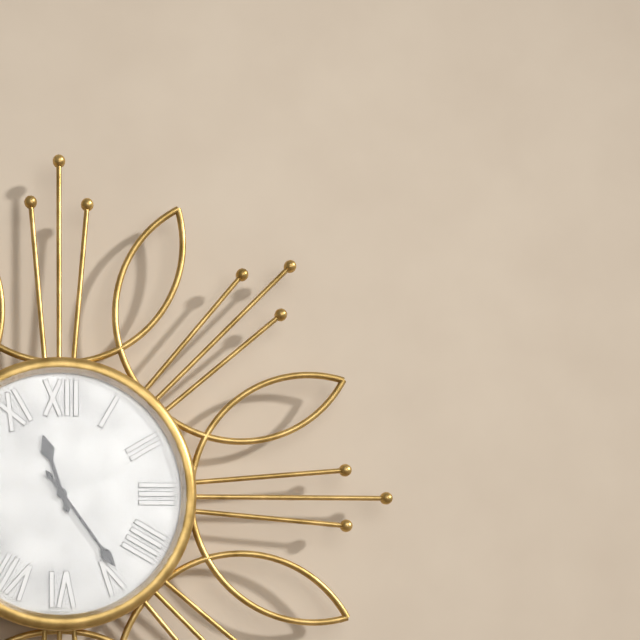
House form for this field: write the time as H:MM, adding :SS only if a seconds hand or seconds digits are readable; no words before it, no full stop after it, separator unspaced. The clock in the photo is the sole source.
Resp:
11:24
